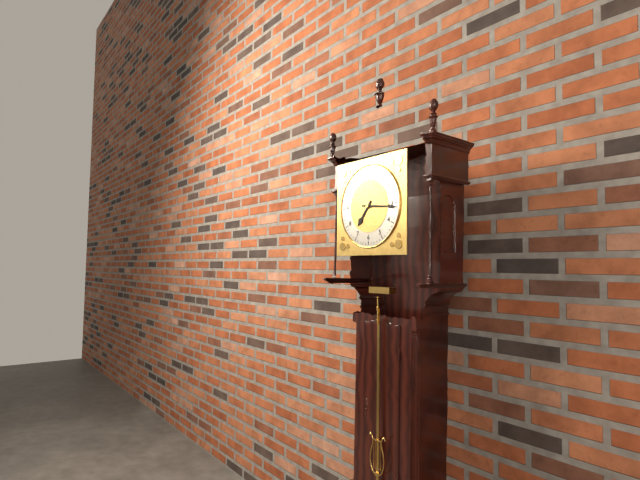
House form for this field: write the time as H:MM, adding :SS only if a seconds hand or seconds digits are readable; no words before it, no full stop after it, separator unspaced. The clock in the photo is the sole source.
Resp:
7:16
